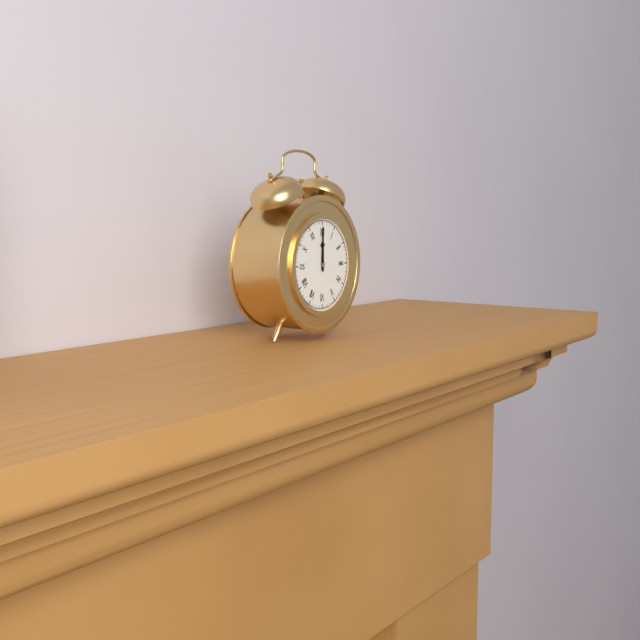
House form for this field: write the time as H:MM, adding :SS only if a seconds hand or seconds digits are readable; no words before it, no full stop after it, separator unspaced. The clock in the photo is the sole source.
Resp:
12:00
